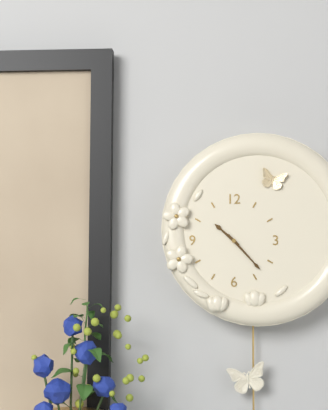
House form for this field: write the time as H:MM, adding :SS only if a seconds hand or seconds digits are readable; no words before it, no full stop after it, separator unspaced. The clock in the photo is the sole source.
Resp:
10:23
